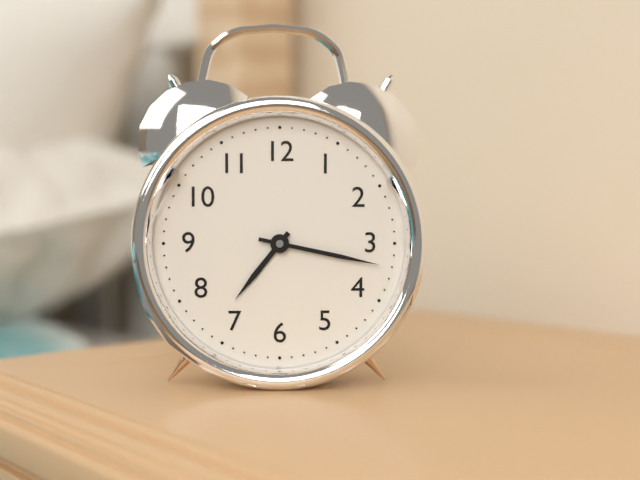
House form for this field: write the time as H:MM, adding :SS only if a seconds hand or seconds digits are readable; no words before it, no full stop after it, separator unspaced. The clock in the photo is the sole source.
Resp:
7:17
